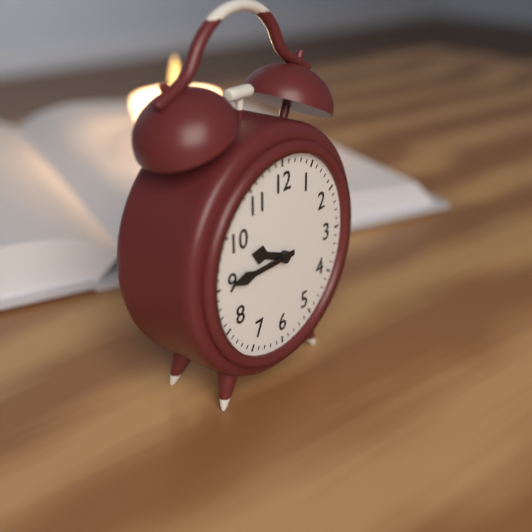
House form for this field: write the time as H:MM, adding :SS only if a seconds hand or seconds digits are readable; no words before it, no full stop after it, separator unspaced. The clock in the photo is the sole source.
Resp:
9:45
